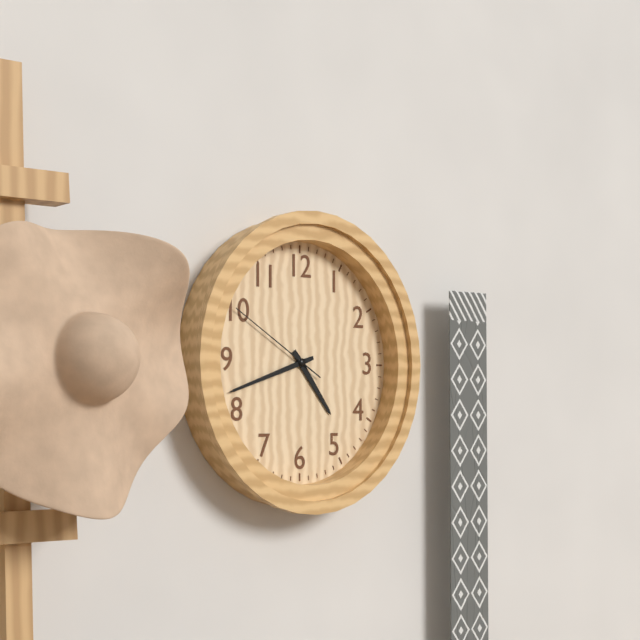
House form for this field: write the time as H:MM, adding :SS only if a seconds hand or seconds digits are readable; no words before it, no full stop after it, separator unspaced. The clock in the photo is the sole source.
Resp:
4:42:50
